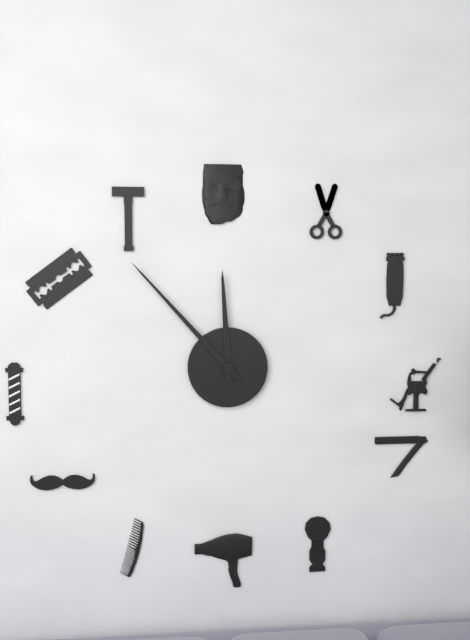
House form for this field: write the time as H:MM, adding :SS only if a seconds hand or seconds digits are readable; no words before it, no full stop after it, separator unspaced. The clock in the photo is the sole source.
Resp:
11:53
